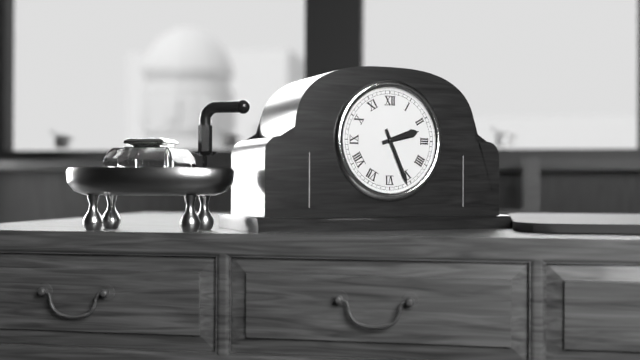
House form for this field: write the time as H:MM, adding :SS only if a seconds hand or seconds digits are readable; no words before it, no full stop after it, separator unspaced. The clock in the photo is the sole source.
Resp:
2:26
